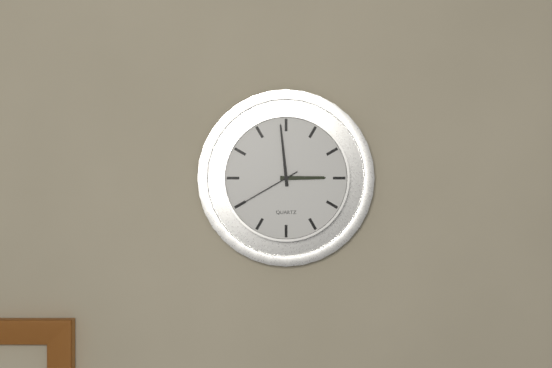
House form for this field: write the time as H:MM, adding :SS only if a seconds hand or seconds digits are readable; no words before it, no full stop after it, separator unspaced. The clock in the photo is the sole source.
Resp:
2:59:40
